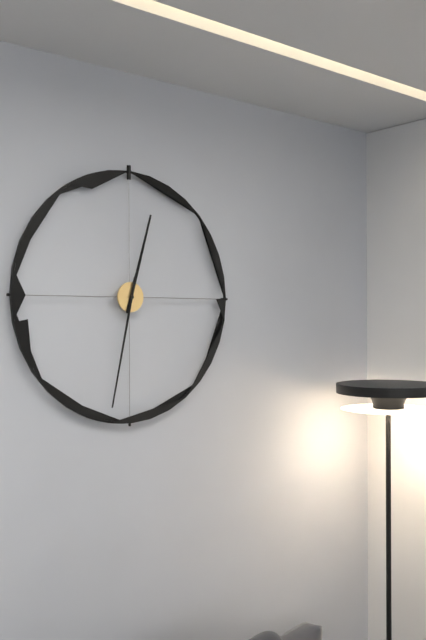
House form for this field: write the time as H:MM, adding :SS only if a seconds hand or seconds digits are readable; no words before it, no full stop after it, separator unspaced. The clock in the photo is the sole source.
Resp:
12:32
